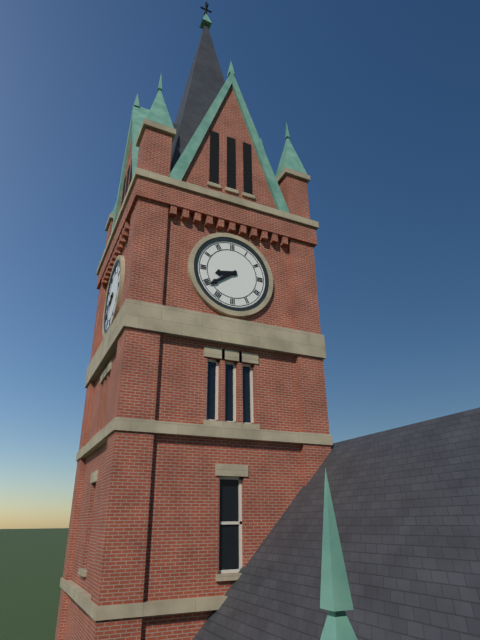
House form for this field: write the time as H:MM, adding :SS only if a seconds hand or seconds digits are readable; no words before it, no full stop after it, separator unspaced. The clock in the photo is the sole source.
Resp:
8:39
